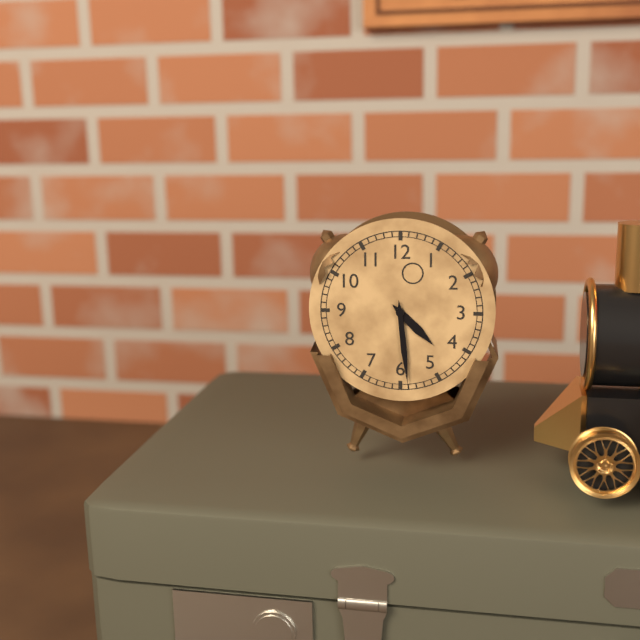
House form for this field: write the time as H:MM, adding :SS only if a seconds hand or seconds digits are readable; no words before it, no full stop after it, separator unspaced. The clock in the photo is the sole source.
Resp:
4:29
